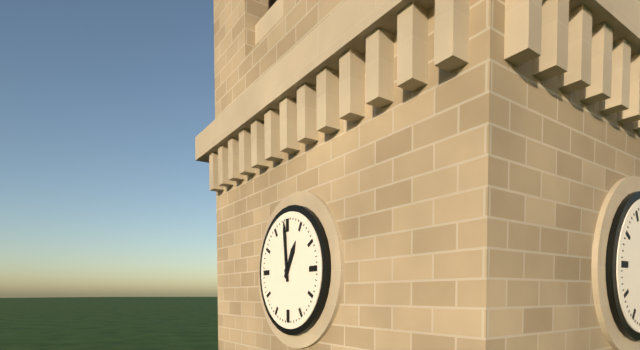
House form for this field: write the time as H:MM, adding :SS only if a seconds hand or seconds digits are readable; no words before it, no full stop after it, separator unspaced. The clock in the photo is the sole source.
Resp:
12:59
